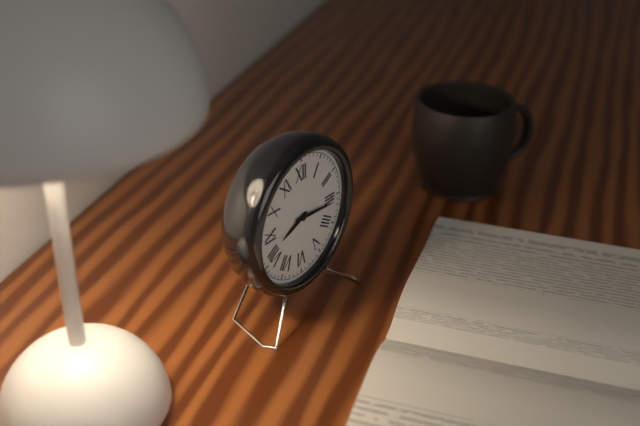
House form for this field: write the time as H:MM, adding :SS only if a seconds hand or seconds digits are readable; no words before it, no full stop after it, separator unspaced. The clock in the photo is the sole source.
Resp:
8:16
